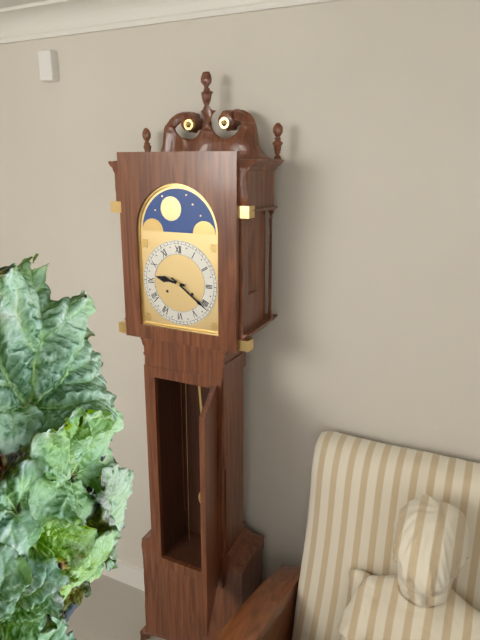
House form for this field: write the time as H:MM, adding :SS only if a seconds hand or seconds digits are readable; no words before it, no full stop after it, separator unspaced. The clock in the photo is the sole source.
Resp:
9:21
